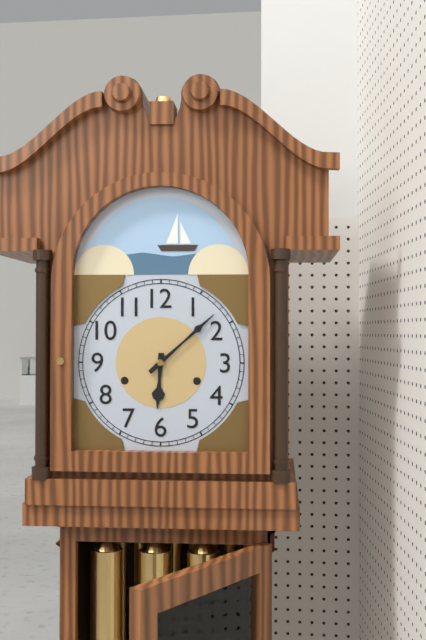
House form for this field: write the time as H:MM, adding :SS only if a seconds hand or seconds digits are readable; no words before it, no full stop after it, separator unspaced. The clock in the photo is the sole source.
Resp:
6:08
